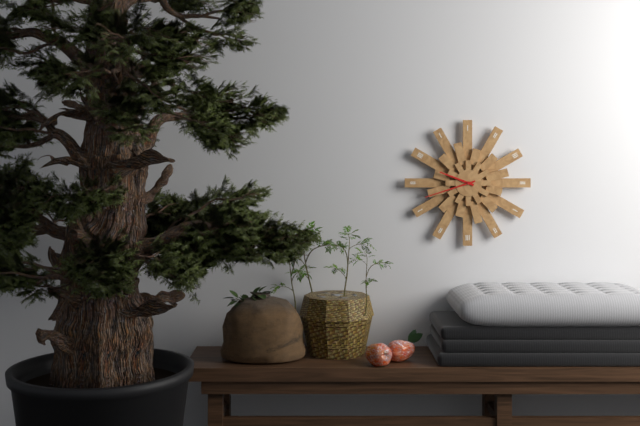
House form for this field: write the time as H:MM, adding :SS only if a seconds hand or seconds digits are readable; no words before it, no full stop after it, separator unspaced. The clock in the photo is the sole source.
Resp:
9:42
